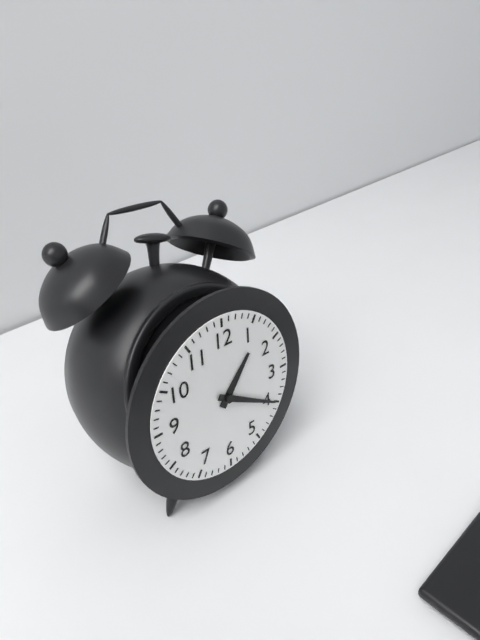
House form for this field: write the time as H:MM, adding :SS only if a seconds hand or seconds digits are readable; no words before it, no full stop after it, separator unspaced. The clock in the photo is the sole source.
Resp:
1:20
